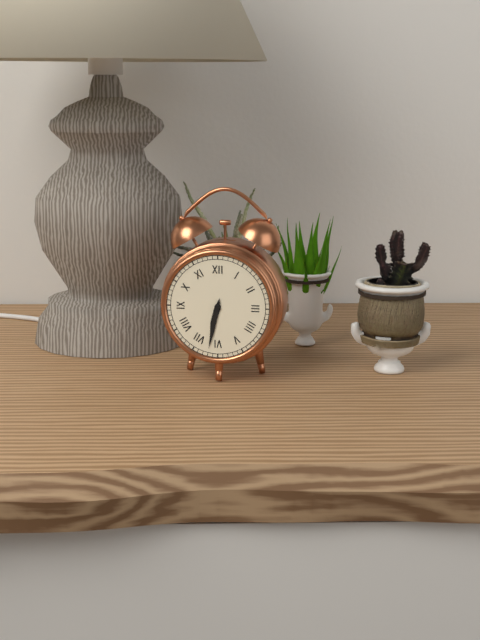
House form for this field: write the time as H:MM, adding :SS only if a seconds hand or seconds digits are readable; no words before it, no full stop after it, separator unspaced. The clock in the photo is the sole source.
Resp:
6:32
